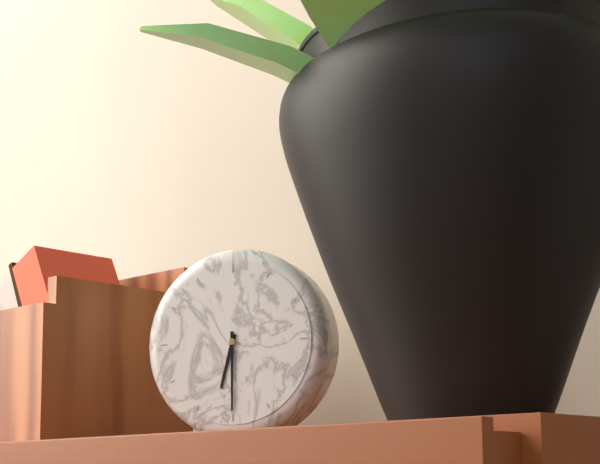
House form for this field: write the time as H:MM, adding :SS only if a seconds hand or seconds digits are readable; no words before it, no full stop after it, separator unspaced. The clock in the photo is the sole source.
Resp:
6:30
